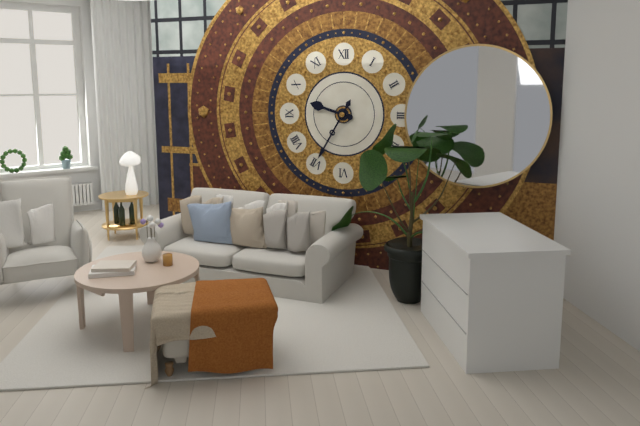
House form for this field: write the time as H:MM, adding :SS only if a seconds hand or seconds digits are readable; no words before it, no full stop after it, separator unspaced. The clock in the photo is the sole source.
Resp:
9:35
